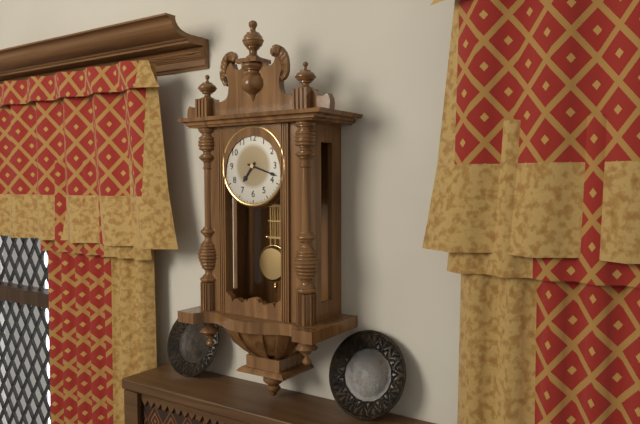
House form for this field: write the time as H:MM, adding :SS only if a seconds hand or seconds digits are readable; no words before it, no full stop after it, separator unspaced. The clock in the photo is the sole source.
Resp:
7:18
